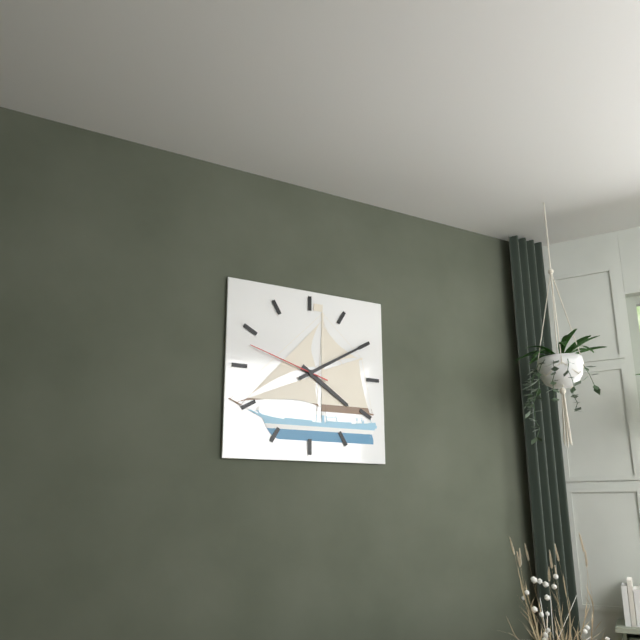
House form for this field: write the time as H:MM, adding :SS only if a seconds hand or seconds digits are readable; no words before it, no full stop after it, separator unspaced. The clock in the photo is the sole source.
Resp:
4:10:48
